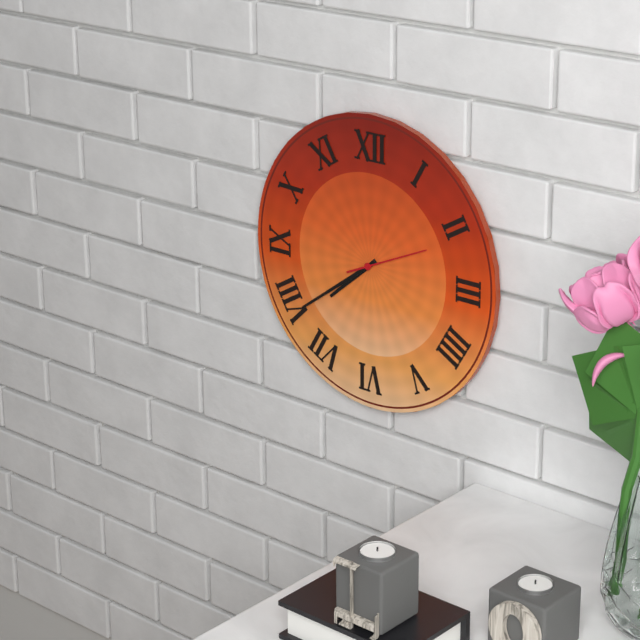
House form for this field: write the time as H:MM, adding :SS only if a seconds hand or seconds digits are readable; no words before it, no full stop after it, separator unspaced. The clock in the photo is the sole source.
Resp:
7:39:11
